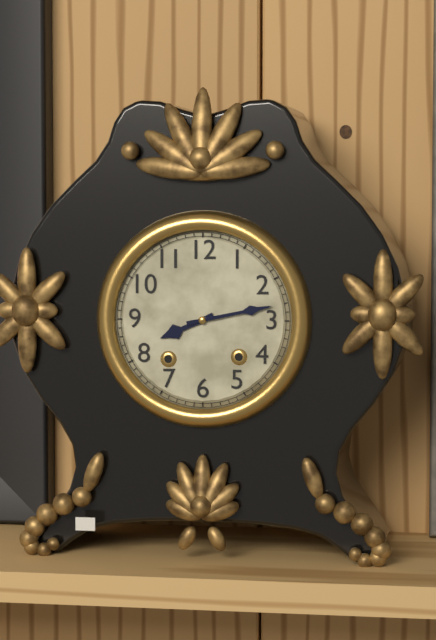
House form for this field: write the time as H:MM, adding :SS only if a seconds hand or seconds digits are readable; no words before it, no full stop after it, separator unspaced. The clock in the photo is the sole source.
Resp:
8:13
